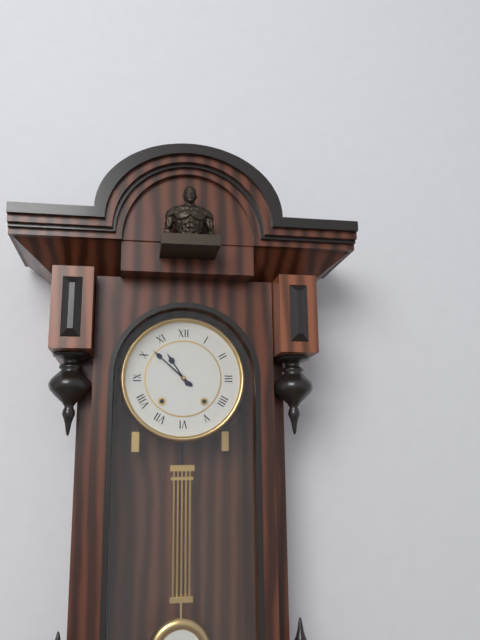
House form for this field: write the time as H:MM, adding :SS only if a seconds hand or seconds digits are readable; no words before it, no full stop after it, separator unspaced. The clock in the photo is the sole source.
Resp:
10:52
